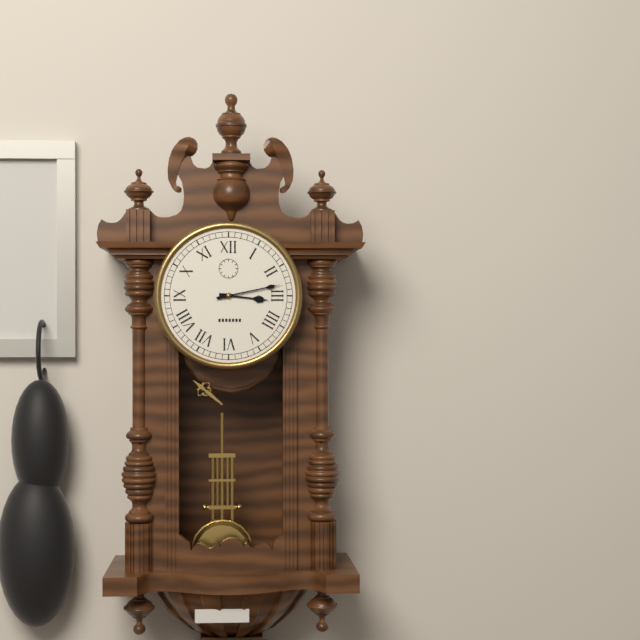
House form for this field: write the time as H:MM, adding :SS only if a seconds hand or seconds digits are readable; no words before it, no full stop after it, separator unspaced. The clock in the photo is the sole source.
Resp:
3:13
